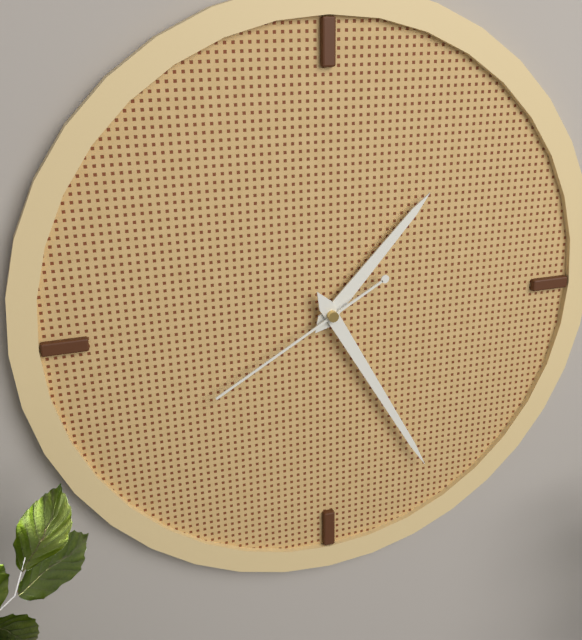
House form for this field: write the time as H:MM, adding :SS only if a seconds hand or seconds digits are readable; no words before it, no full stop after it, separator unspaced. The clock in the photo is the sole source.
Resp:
1:25:40
